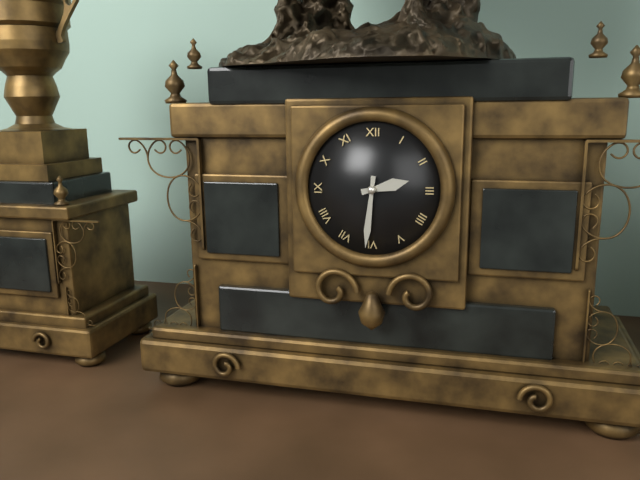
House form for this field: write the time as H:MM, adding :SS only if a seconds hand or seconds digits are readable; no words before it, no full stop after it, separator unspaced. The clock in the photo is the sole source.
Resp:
2:31
